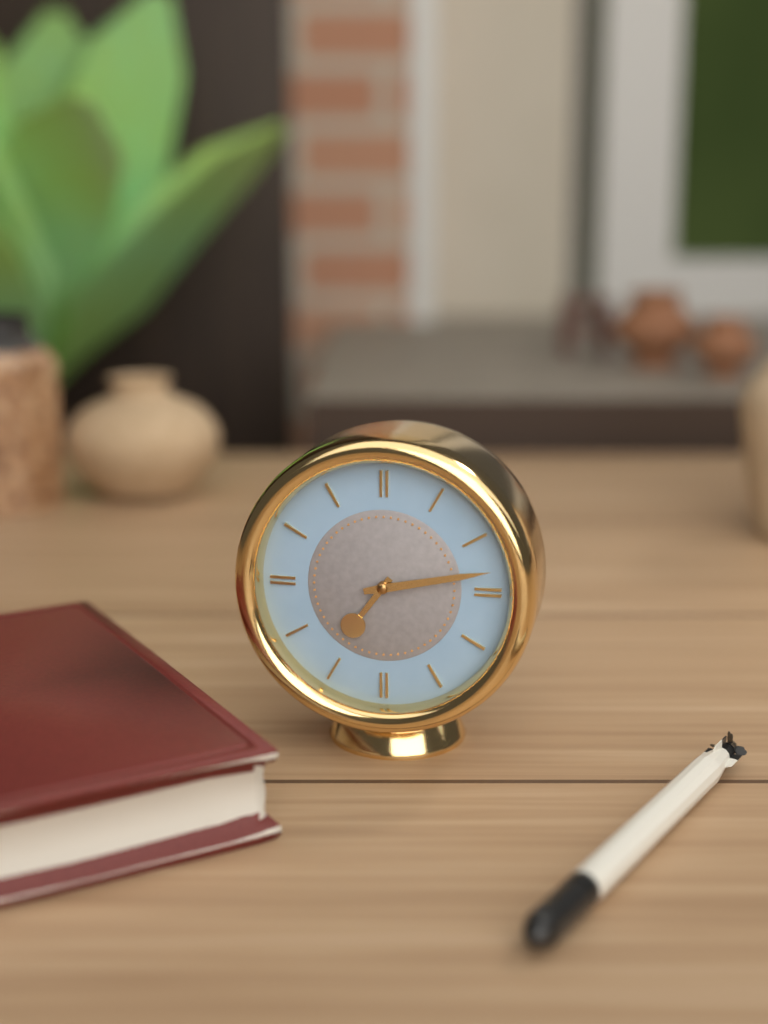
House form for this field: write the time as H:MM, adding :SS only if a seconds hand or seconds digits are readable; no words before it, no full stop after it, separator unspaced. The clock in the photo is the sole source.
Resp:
7:13
